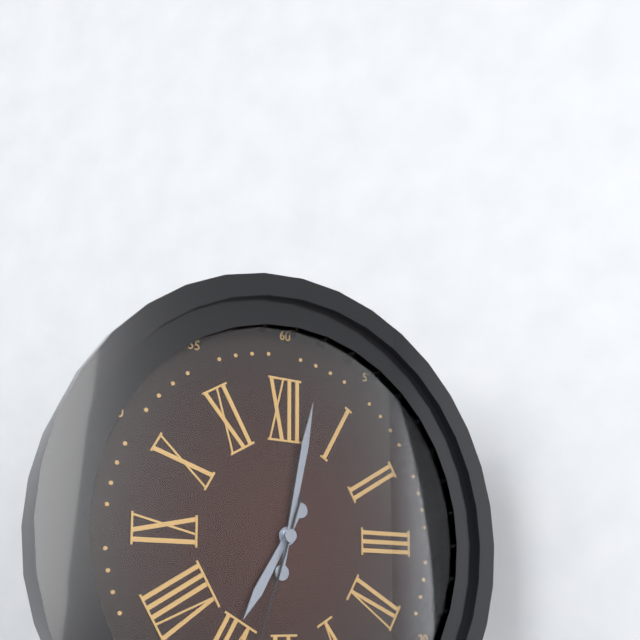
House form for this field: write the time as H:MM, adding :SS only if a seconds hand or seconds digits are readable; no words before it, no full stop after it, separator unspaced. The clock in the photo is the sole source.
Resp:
7:02
